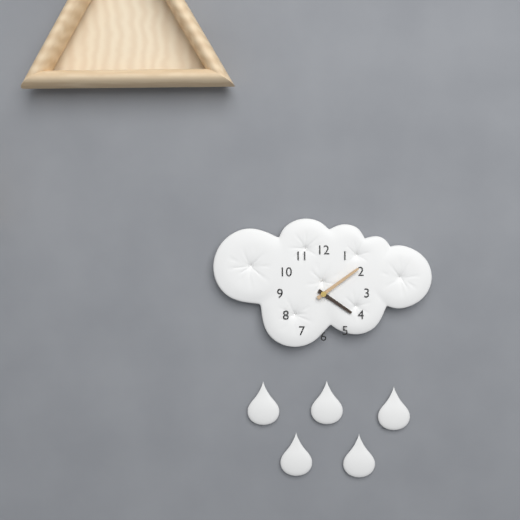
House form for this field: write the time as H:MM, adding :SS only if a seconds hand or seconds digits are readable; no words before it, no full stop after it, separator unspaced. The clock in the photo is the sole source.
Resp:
4:09
